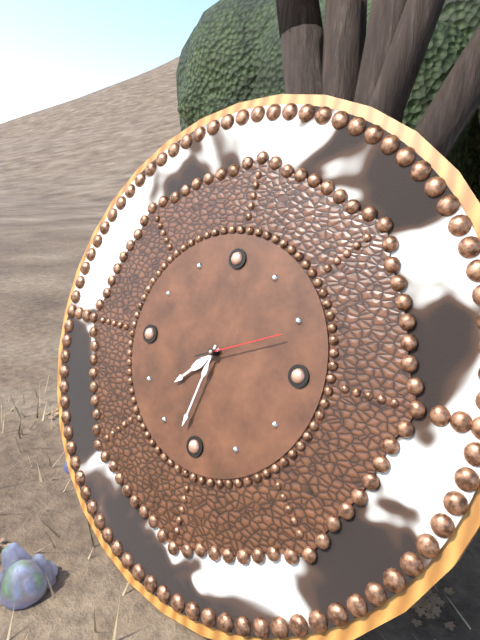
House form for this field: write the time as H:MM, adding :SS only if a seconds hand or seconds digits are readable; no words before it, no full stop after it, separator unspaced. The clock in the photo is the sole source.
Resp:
7:32:11
